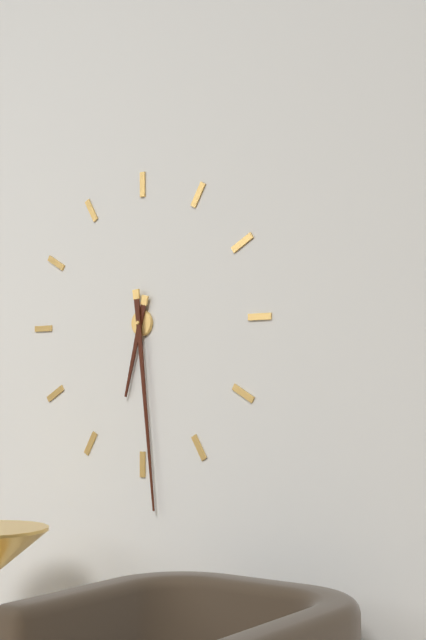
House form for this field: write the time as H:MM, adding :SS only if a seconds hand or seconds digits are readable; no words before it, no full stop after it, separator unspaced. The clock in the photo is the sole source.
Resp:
6:29
